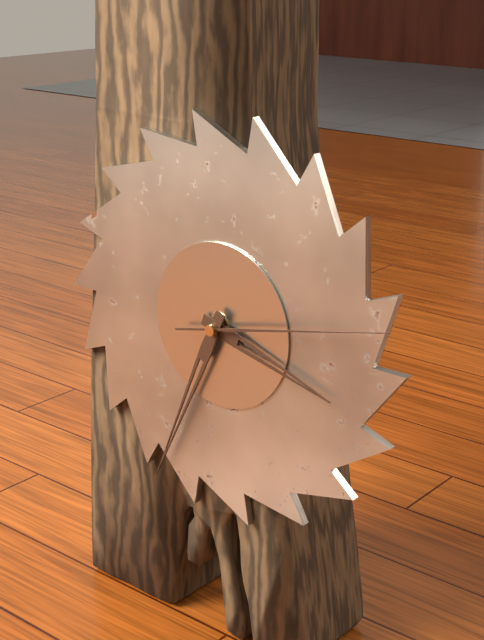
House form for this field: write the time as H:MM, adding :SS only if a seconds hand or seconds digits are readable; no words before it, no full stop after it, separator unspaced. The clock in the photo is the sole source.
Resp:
3:34:13
